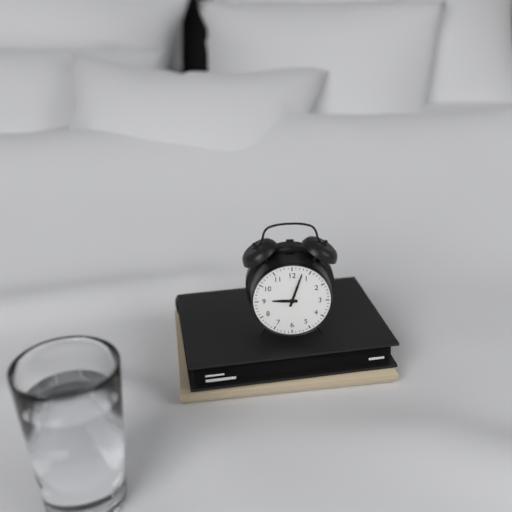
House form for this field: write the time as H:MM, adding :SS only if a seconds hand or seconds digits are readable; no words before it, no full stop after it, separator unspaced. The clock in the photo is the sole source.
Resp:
9:03
